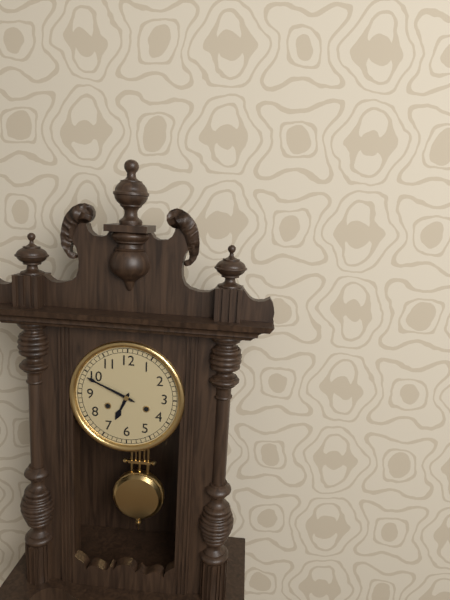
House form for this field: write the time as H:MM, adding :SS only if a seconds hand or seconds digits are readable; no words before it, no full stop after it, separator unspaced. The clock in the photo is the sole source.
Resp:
6:49
